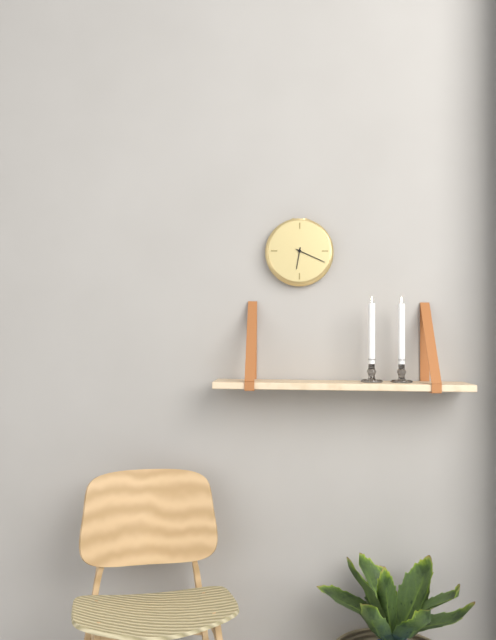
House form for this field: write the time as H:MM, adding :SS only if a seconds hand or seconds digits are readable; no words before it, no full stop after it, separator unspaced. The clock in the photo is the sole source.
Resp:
6:19
